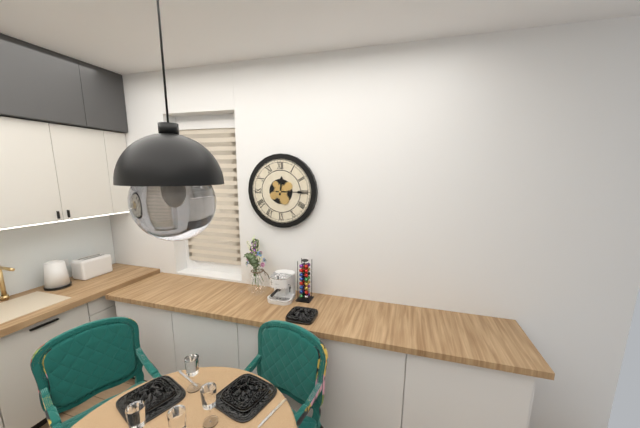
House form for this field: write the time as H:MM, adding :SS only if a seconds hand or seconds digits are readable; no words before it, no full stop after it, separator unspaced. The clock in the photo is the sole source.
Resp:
12:15
